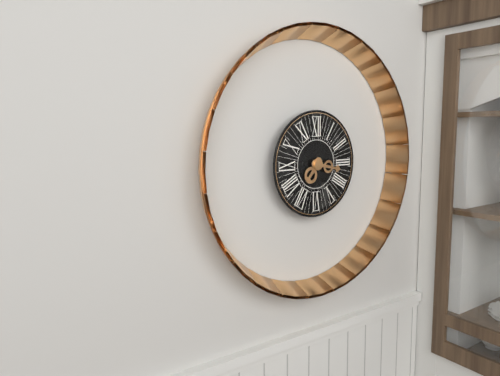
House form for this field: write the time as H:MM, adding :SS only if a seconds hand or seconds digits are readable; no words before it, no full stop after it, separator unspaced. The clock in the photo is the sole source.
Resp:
7:17
